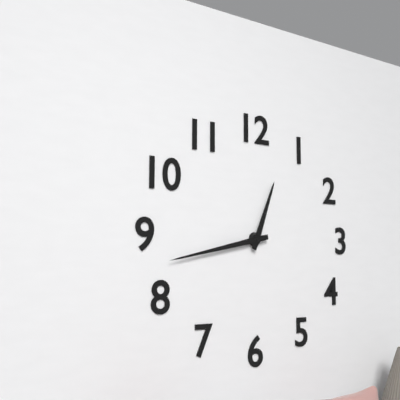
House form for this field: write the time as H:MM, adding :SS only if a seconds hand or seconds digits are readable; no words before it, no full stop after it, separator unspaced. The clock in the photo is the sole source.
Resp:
12:43
